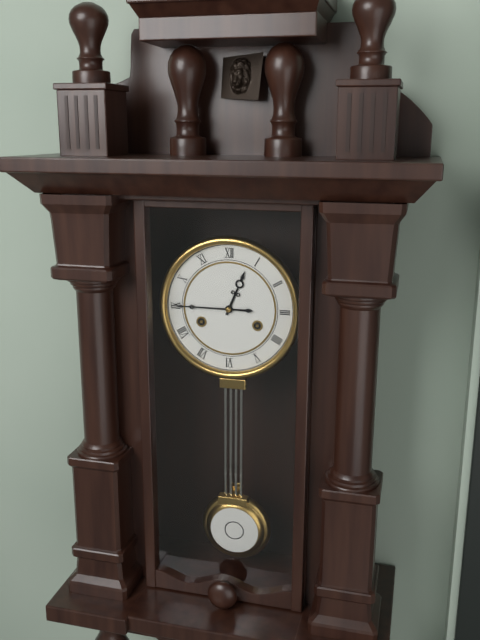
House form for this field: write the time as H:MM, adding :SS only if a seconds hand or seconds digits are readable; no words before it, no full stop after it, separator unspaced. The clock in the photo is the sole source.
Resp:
12:45
